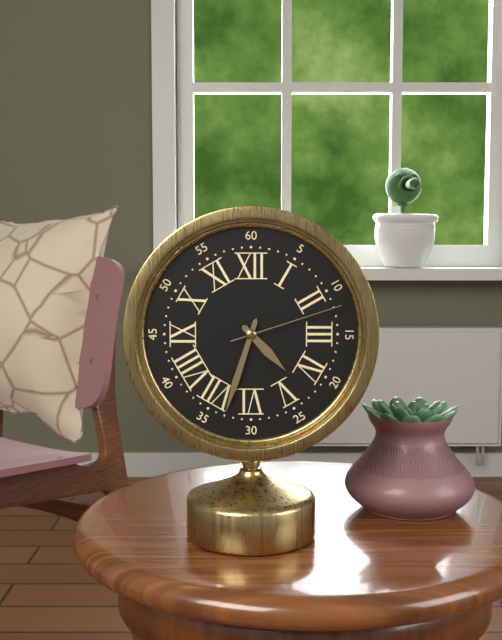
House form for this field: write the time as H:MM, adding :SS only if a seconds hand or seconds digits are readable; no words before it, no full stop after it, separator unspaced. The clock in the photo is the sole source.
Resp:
4:33:12
